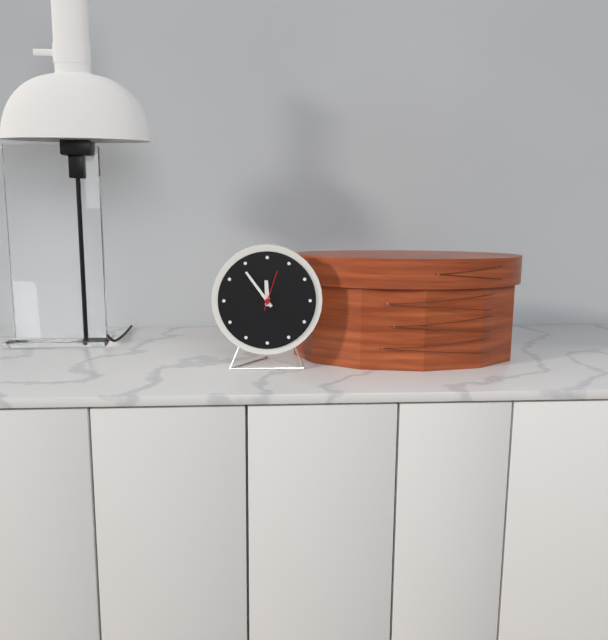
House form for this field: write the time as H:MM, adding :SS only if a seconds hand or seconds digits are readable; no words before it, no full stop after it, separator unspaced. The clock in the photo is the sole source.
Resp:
11:54
